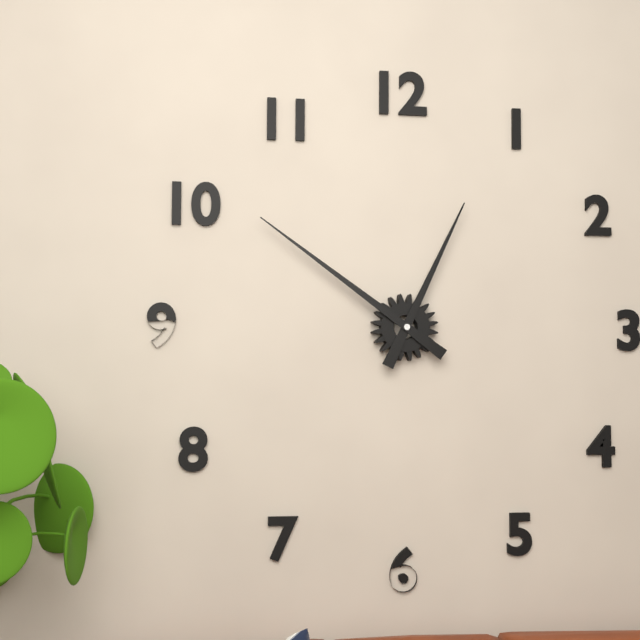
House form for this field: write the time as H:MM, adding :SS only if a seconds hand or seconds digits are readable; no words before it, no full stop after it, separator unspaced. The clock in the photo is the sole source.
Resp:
12:51
